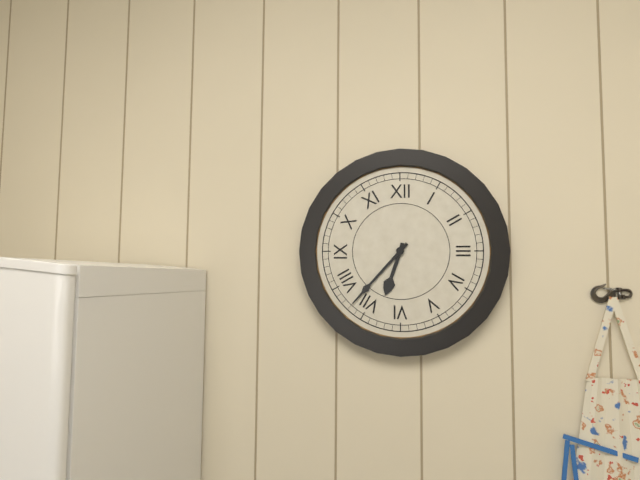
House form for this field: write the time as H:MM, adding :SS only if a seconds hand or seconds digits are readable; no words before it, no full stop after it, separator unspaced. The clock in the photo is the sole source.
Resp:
6:37
